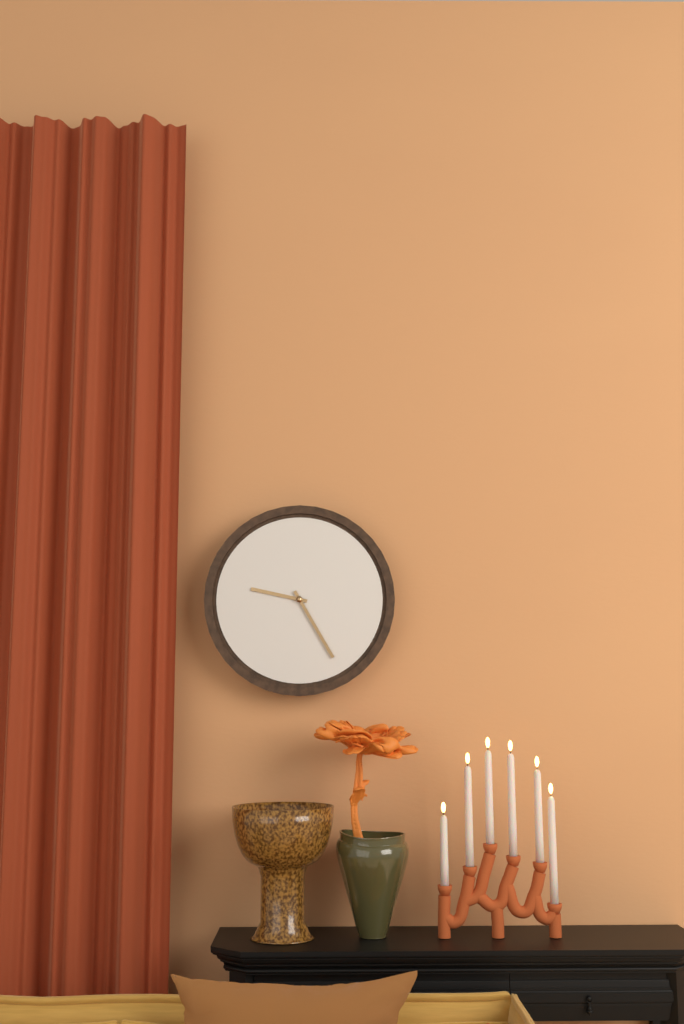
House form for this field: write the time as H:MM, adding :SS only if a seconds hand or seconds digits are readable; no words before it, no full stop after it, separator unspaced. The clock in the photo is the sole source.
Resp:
9:25
